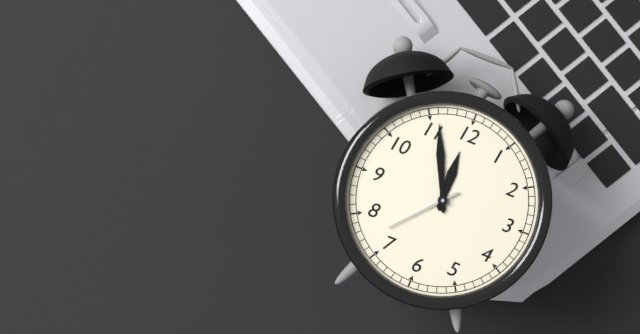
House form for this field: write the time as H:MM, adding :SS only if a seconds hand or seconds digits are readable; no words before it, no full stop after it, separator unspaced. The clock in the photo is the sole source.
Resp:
11:56:37
